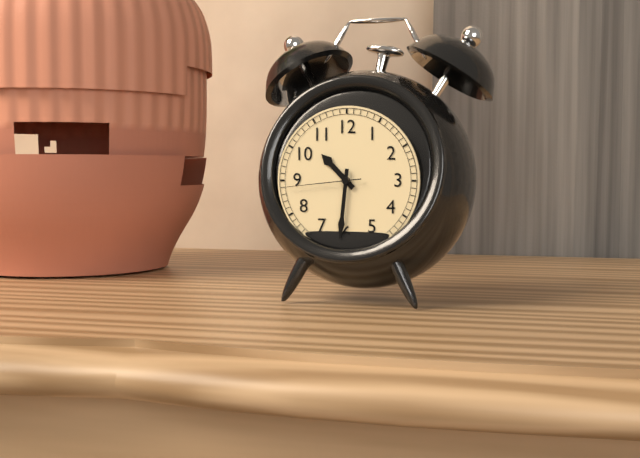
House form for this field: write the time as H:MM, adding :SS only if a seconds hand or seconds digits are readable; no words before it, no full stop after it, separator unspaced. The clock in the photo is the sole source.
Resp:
10:31:44
